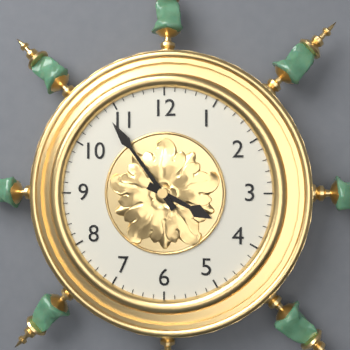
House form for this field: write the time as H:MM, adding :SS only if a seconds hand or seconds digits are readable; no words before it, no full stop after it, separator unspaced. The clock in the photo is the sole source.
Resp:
3:54
